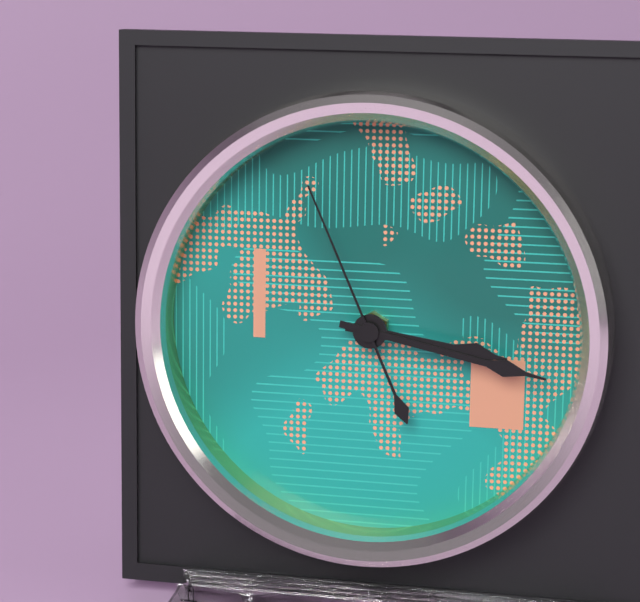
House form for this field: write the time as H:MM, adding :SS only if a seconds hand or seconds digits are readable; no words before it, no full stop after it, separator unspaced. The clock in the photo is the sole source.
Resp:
3:17:56
